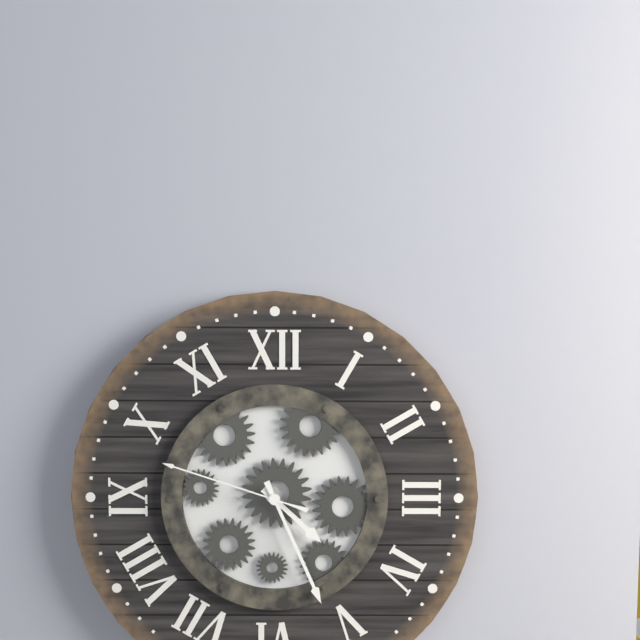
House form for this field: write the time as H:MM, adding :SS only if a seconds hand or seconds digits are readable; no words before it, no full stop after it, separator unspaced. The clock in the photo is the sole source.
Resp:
4:26:48
